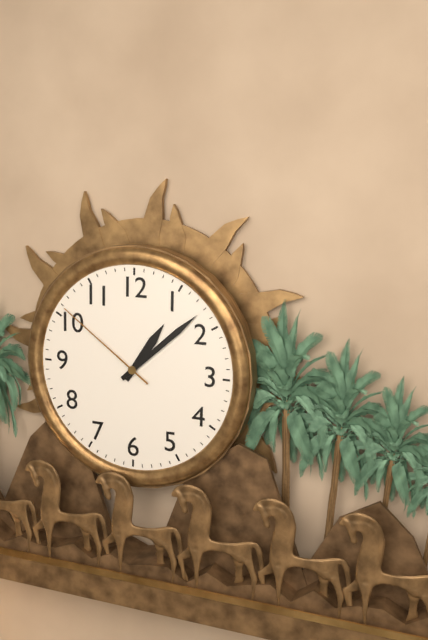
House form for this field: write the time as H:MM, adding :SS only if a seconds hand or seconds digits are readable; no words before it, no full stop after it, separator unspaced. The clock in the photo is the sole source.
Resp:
1:08:51
